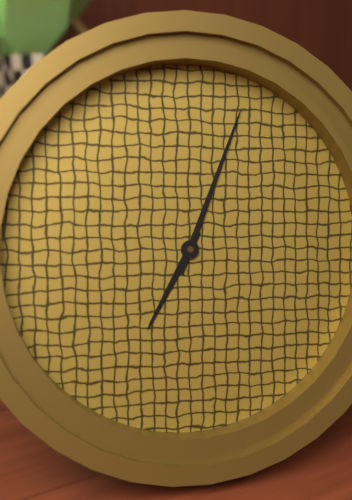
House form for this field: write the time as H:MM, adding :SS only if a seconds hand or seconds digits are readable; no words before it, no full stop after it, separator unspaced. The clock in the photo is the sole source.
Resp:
7:04
